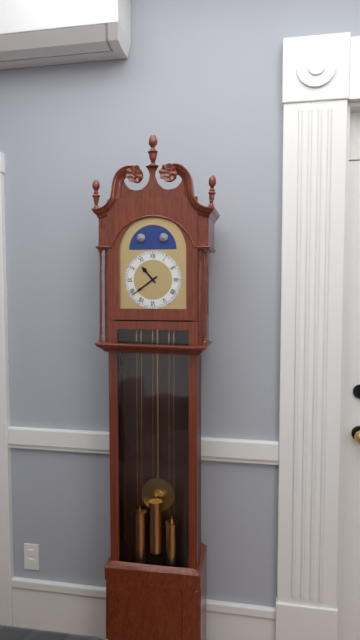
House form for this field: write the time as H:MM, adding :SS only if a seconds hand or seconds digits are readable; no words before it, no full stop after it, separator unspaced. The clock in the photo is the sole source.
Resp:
10:39
